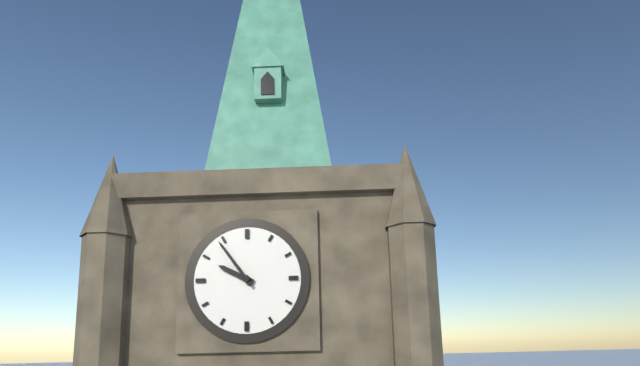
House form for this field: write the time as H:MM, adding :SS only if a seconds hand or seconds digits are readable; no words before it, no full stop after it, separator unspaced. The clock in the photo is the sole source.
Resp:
9:54
